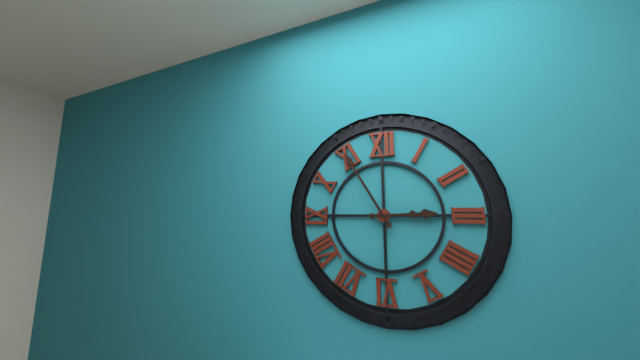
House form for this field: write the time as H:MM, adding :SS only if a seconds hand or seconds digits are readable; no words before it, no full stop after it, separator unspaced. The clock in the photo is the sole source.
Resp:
2:55
